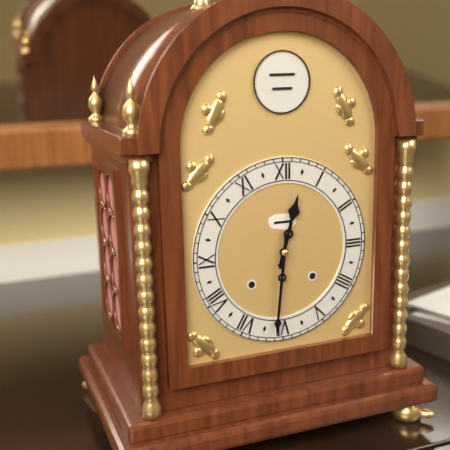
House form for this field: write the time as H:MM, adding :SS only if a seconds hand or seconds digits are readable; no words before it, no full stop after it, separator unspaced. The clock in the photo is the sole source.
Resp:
12:31
